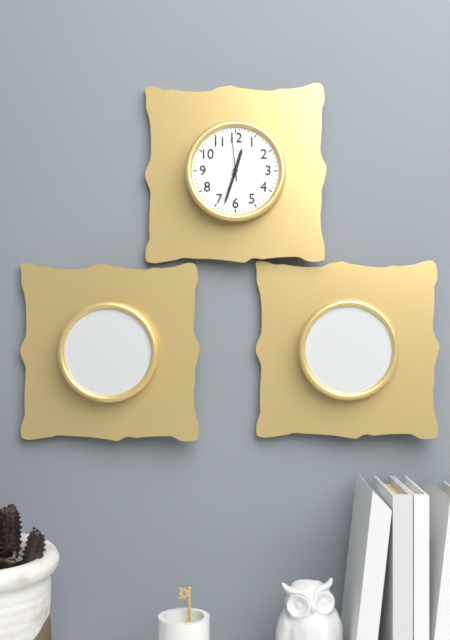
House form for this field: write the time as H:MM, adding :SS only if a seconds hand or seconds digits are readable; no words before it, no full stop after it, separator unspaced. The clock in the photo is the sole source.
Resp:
12:33
